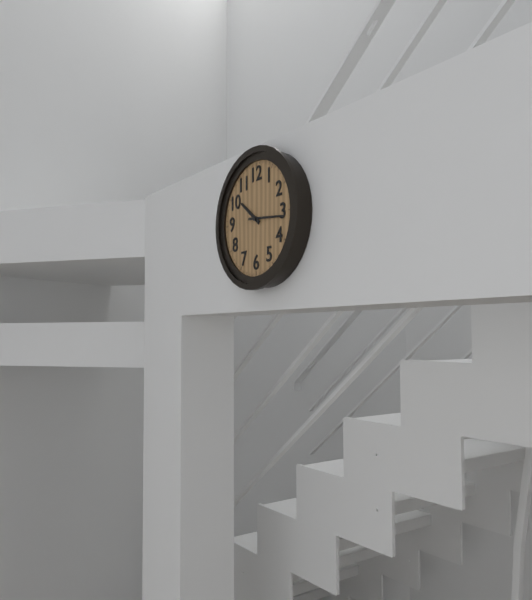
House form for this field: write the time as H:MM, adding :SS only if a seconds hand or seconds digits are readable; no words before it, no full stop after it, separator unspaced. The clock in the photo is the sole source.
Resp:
10:16
